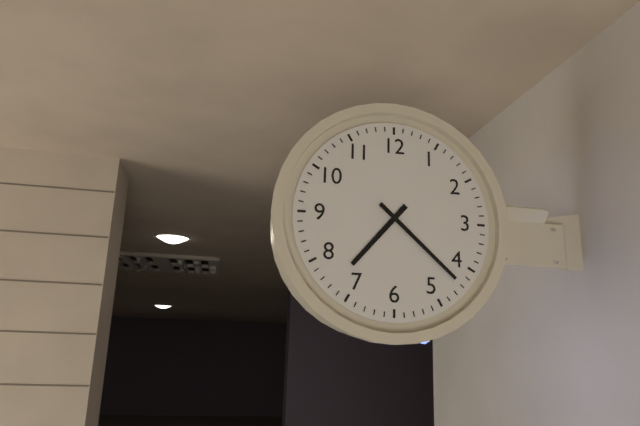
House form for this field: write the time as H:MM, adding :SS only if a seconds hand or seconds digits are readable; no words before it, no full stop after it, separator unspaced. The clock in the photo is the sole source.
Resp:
7:22
